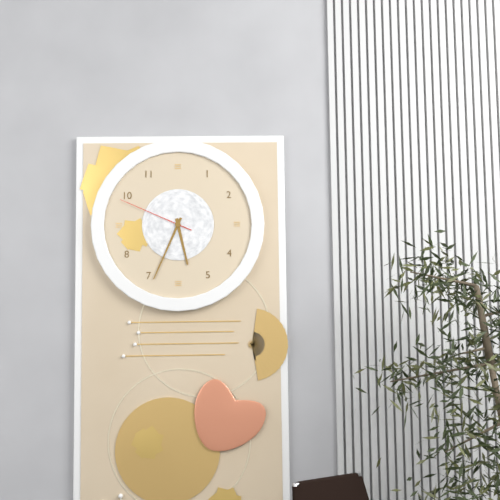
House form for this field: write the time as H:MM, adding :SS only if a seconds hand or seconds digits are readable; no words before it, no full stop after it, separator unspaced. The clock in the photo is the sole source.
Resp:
5:34:49
